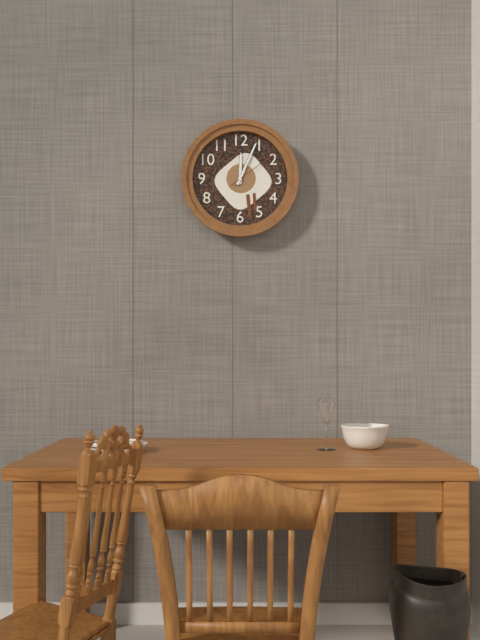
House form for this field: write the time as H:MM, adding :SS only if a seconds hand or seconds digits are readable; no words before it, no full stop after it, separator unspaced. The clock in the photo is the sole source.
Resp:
12:04:09
